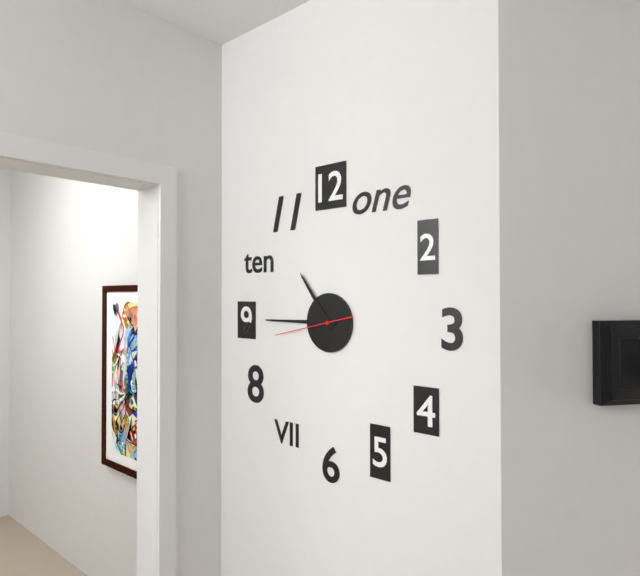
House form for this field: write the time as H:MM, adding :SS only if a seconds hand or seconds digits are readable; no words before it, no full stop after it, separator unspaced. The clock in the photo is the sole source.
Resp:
10:45:43
